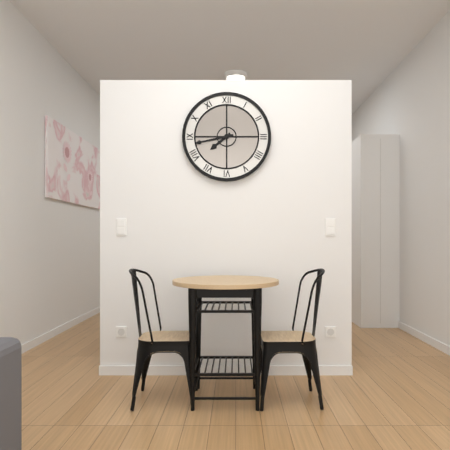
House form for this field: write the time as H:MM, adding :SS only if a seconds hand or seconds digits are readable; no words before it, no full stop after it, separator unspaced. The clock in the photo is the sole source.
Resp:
7:43
